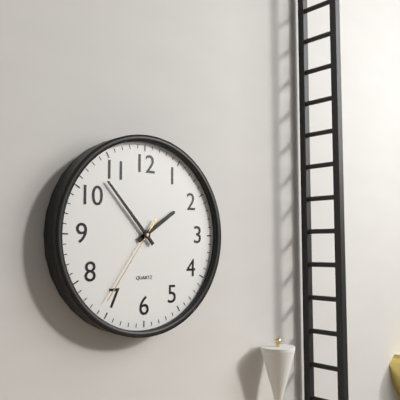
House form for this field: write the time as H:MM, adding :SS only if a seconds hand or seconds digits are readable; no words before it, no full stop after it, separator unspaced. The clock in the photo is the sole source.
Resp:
1:53:36
